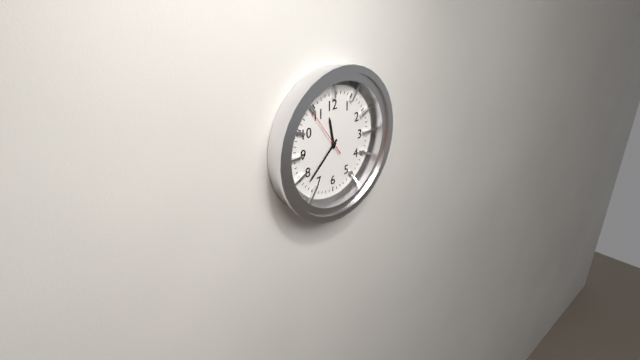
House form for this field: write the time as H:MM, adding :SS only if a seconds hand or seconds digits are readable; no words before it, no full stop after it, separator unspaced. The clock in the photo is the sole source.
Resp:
11:38
